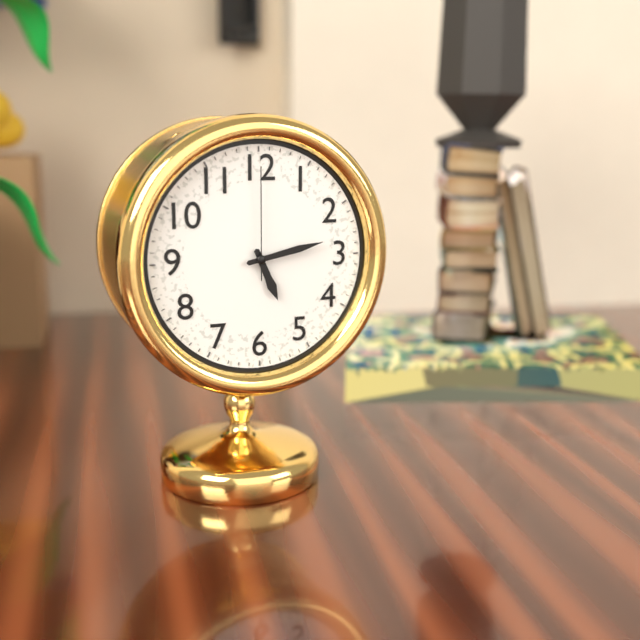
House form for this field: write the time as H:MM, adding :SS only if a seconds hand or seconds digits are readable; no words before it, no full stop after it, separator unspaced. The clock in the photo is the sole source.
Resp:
5:13:00
